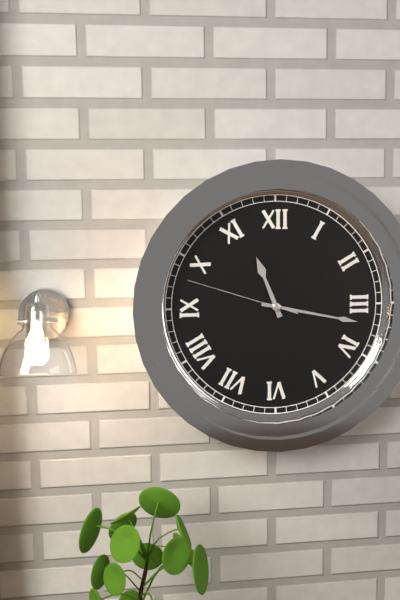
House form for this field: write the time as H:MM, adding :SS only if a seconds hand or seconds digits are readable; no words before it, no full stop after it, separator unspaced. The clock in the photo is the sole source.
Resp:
11:17:48
